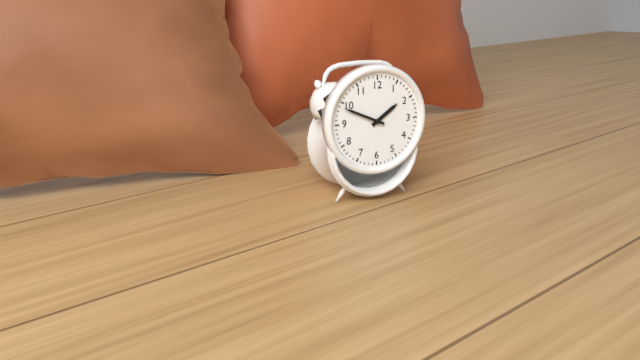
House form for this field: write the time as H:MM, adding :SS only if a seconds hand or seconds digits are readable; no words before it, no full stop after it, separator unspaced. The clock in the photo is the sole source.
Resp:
1:49
